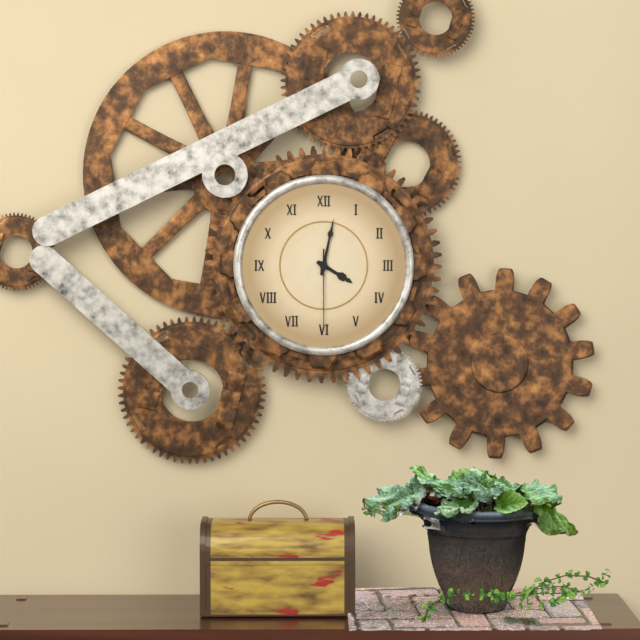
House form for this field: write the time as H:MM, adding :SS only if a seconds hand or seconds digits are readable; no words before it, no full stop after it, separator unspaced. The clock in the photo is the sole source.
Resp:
4:02:30
